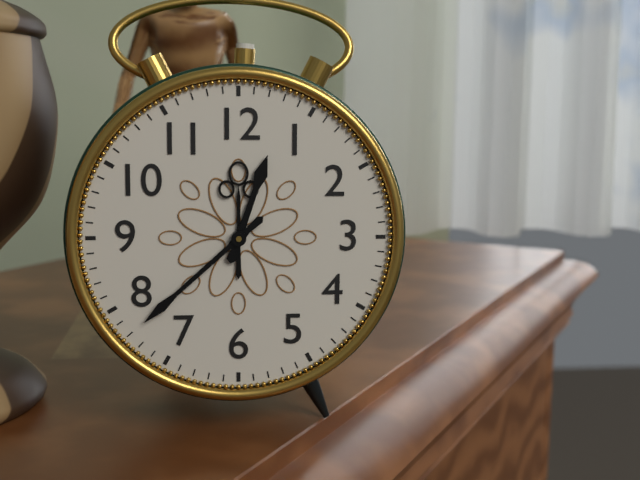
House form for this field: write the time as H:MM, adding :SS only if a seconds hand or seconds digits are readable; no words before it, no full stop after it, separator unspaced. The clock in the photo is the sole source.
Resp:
12:38
